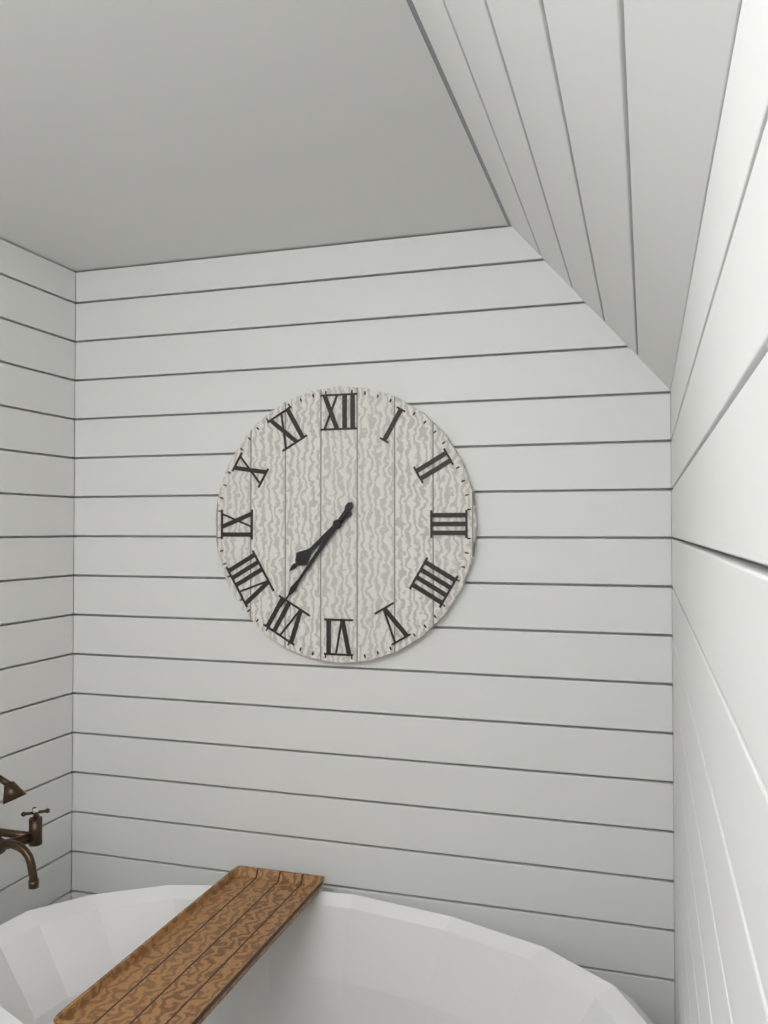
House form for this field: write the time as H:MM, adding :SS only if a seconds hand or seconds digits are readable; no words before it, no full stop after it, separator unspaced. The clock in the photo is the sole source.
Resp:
7:36
